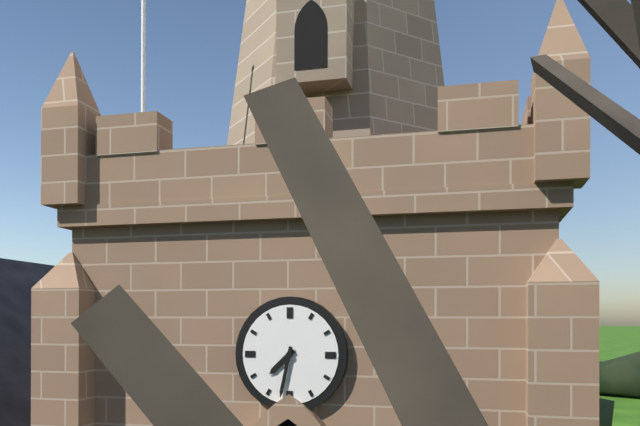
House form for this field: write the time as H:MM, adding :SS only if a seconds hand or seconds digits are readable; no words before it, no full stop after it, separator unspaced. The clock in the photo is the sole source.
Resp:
7:32
